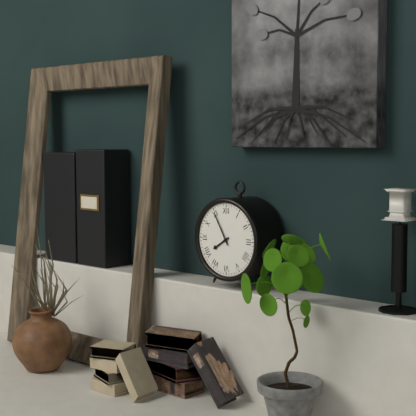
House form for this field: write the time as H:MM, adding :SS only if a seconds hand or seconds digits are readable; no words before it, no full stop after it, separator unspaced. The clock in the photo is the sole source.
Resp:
7:55
